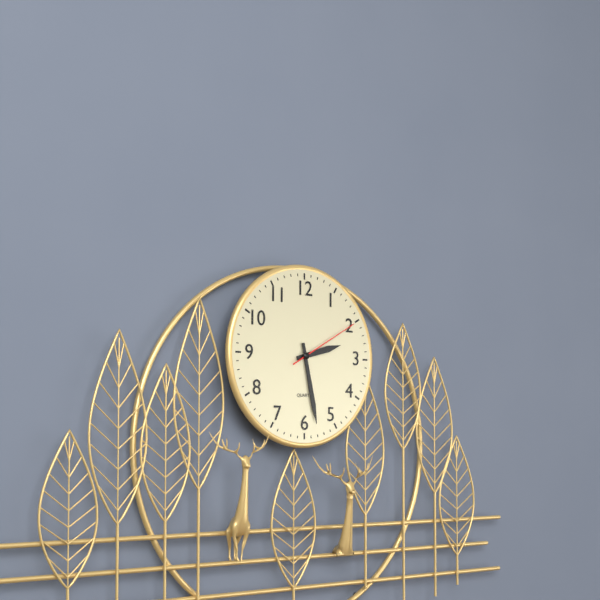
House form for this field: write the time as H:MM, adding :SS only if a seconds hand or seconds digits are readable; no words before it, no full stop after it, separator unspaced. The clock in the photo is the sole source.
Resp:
2:28:10
